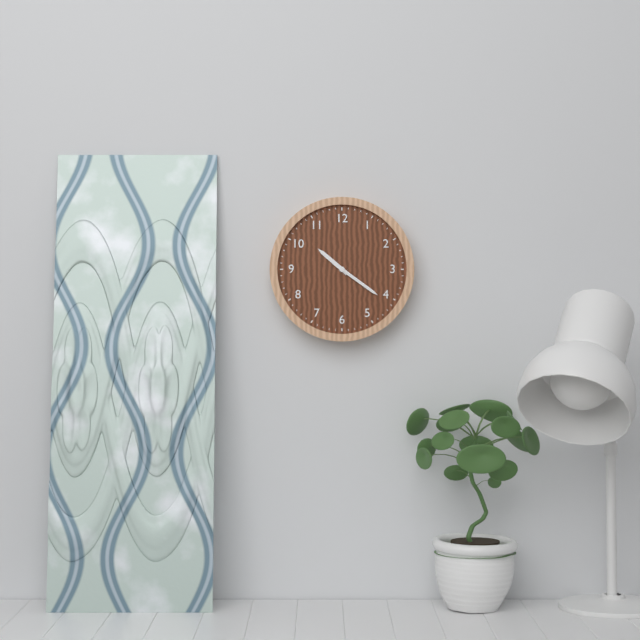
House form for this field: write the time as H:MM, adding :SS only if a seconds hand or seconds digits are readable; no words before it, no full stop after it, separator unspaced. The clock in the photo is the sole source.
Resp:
10:21
